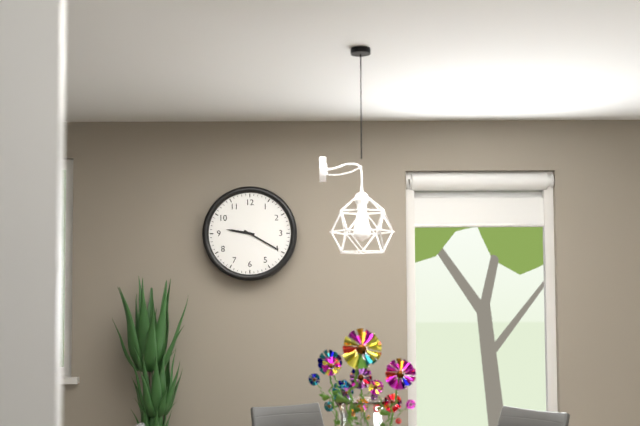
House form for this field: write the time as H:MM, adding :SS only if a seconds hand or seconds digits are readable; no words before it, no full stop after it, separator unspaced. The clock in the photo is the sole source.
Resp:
9:20
